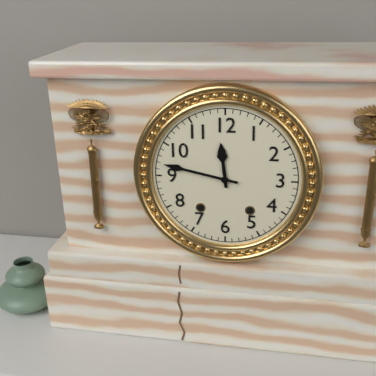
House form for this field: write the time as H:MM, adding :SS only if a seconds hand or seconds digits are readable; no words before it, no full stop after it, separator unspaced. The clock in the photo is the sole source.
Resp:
11:47
